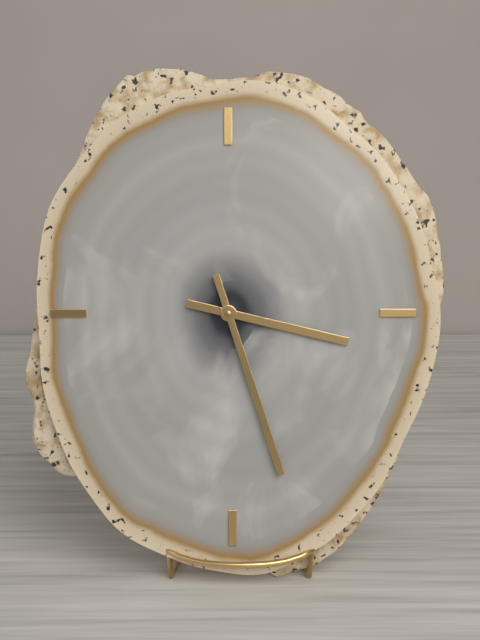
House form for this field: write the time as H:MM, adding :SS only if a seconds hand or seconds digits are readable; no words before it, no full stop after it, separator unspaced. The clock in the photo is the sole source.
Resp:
3:27
